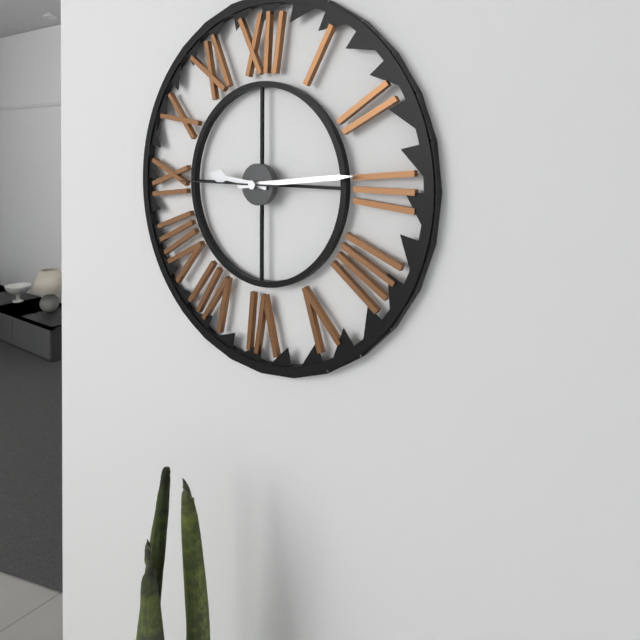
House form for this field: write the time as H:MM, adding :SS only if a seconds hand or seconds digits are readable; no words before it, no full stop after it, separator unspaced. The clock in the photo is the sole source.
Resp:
9:14:45
